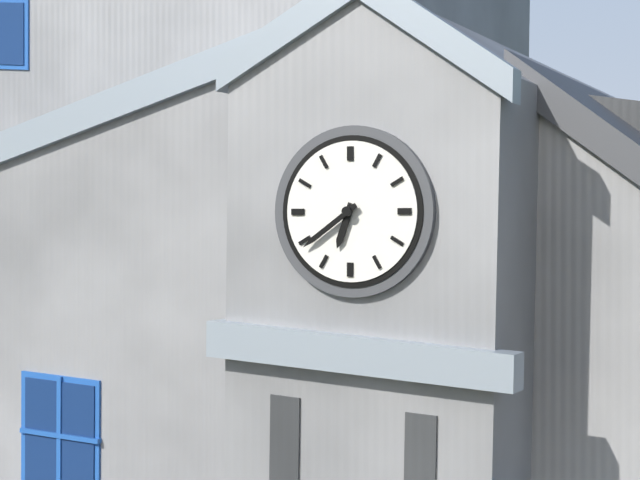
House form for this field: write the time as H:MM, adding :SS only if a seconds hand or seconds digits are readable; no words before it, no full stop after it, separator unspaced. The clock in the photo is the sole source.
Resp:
6:39
